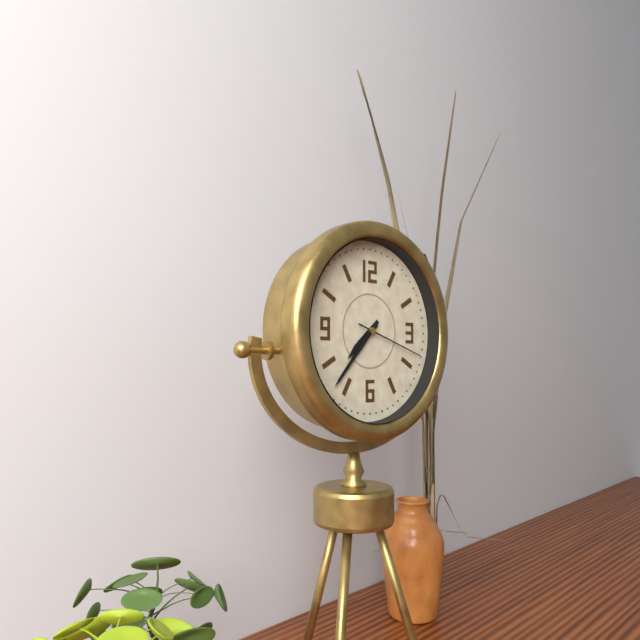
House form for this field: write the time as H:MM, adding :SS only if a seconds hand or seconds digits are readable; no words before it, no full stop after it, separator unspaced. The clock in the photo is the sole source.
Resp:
7:37:18
